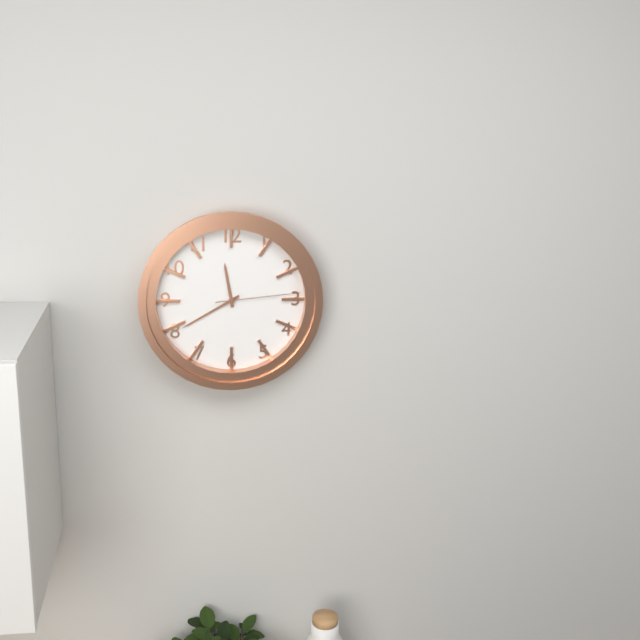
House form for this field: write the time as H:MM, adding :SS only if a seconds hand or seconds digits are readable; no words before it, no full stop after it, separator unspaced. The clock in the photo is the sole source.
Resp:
11:40:14
